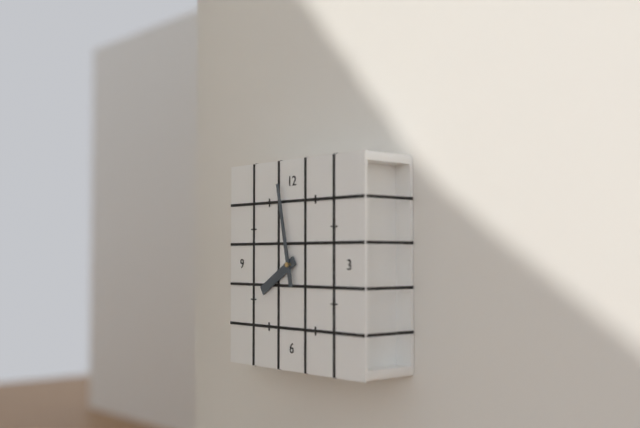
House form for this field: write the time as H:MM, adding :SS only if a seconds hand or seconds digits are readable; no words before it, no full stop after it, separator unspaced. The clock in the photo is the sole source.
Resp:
7:58
